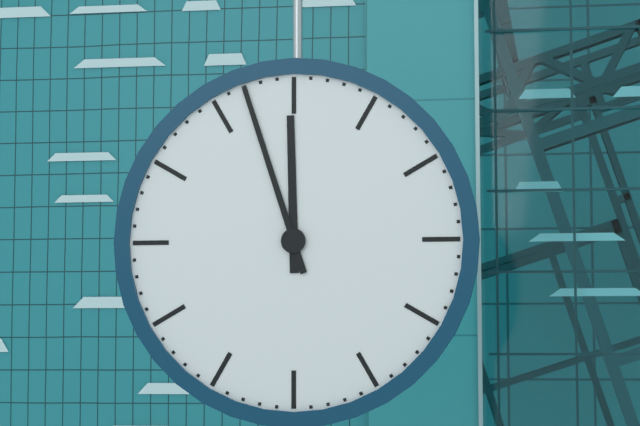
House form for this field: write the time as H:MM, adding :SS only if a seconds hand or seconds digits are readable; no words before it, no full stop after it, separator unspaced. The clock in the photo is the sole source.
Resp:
11:57
